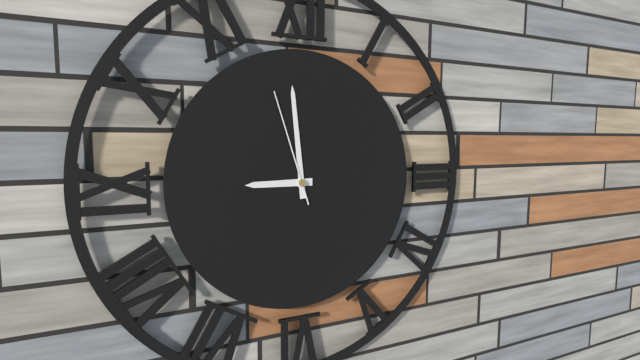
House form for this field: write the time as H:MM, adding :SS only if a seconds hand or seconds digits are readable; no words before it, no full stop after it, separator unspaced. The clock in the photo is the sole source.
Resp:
8:59:57
